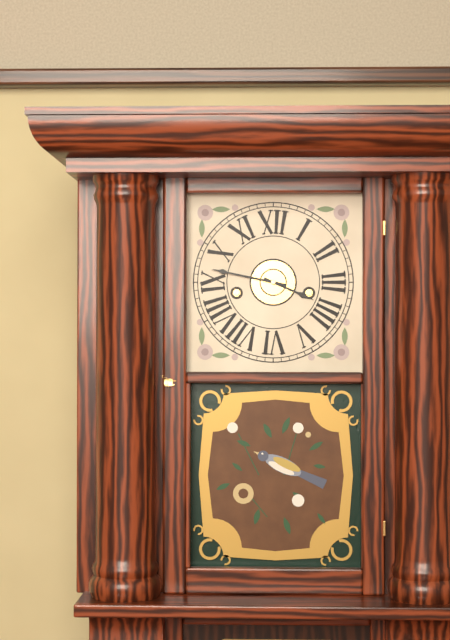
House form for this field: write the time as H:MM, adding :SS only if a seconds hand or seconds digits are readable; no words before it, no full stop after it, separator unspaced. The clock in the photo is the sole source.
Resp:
3:47
